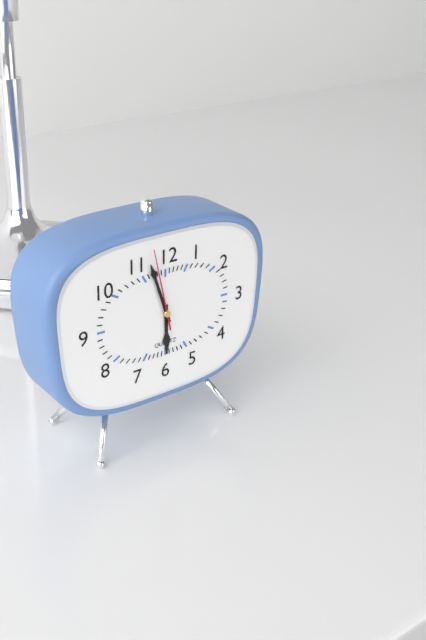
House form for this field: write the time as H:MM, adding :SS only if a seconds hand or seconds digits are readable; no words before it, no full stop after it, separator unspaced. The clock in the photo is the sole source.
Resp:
5:57:58
